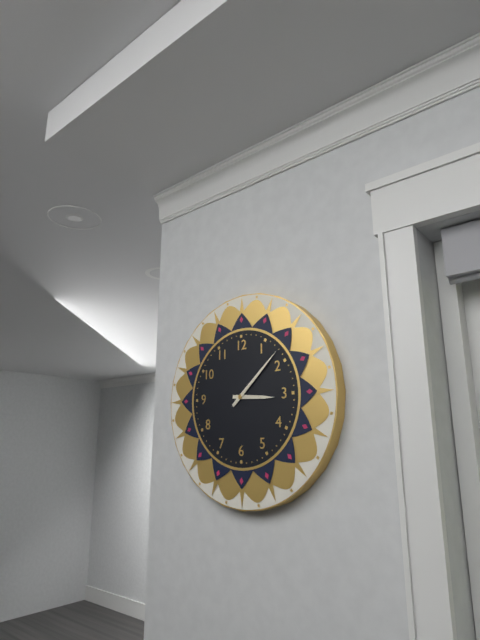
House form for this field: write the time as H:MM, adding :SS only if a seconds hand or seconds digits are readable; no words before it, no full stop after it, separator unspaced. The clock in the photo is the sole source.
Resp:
3:08
